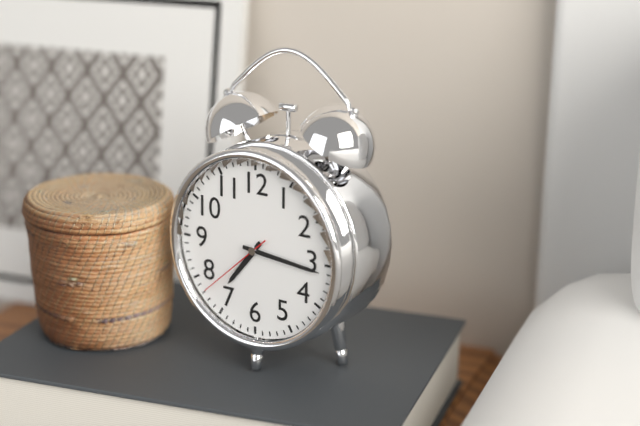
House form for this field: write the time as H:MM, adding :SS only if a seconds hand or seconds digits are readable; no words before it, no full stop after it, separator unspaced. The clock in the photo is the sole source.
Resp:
7:16:38
